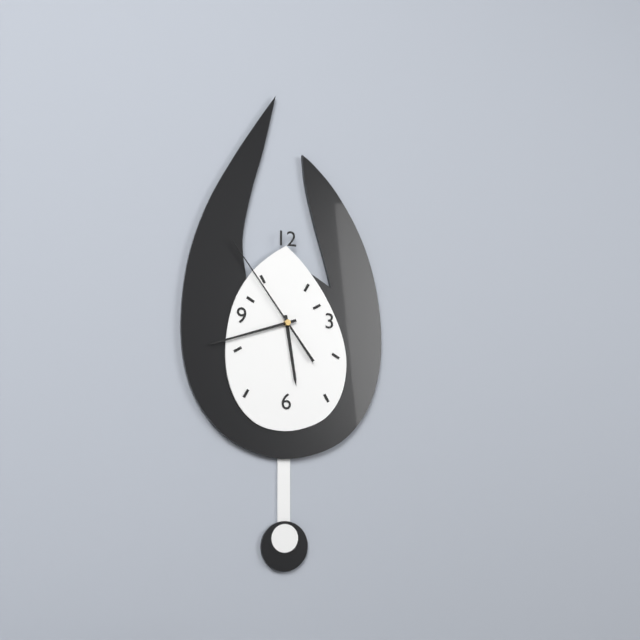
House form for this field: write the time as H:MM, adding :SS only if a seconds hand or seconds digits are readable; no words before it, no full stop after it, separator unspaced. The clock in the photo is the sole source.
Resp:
5:42:54
